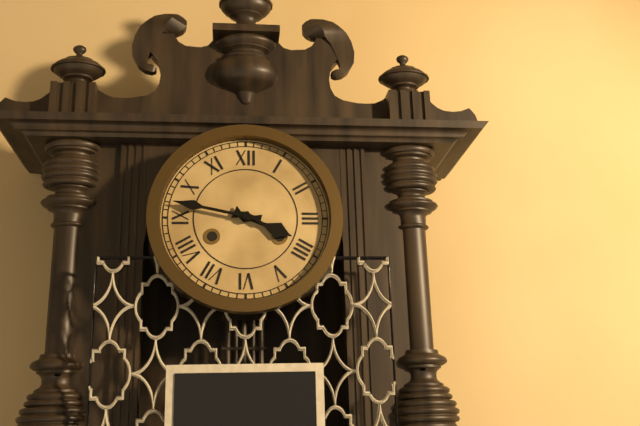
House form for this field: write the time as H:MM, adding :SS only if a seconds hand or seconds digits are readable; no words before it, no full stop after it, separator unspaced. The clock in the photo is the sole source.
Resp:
3:47
